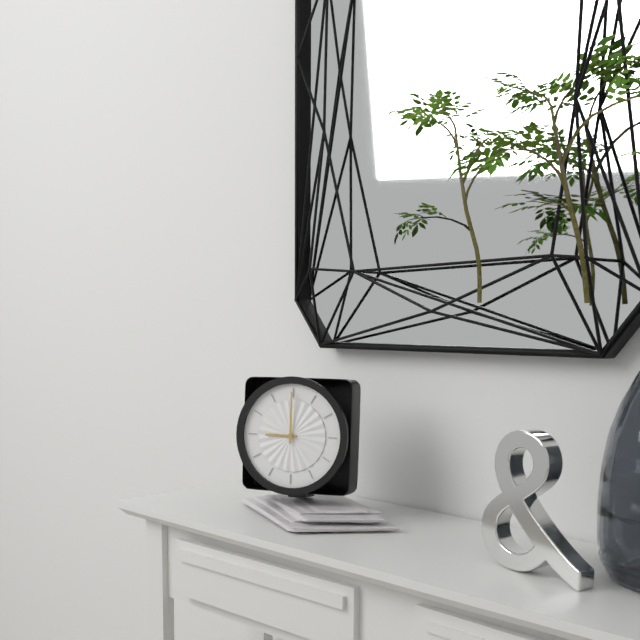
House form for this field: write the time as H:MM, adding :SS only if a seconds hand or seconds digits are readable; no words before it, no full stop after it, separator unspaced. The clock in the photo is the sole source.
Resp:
9:00
